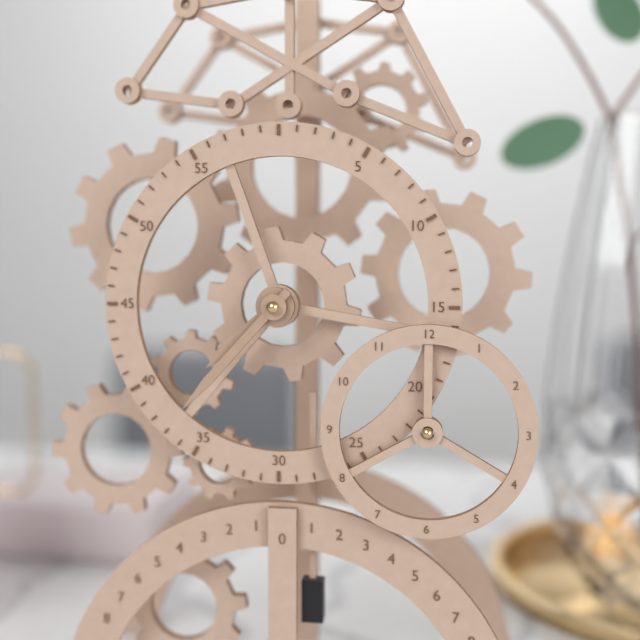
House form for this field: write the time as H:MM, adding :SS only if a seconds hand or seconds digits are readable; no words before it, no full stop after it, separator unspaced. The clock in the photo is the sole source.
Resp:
7:37
